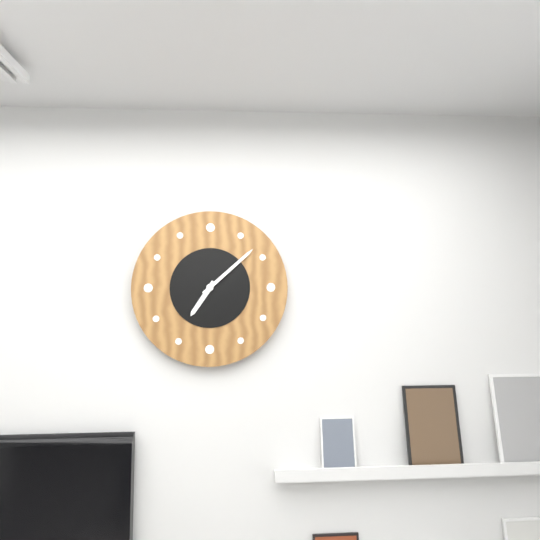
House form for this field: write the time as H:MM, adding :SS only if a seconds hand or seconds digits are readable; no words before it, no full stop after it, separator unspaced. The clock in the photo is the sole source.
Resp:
7:08
